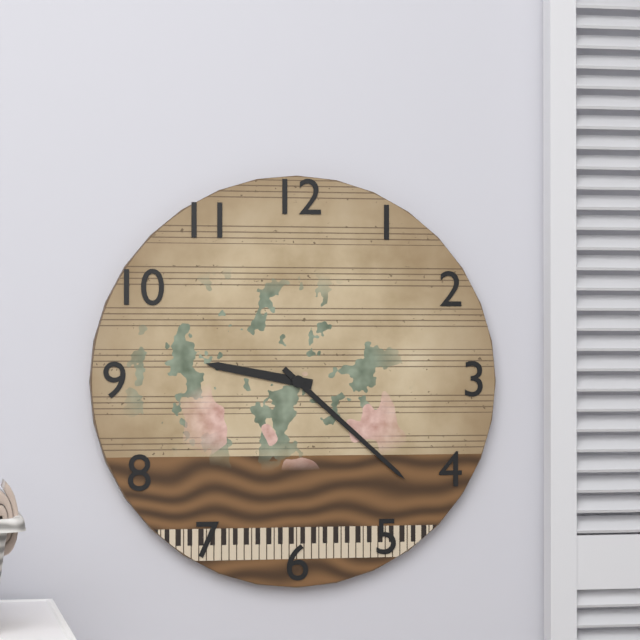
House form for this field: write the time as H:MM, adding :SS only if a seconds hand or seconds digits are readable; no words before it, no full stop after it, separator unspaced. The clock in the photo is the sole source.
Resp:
9:22
